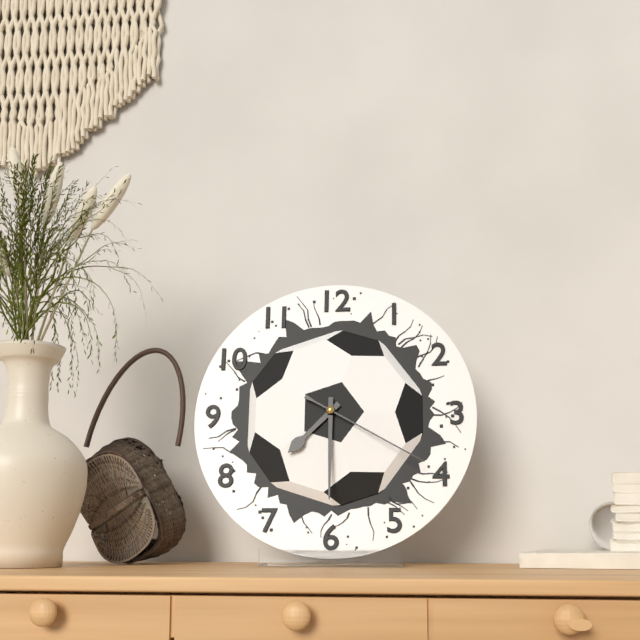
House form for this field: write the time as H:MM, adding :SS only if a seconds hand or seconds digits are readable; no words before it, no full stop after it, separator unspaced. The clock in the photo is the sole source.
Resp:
7:30:20
